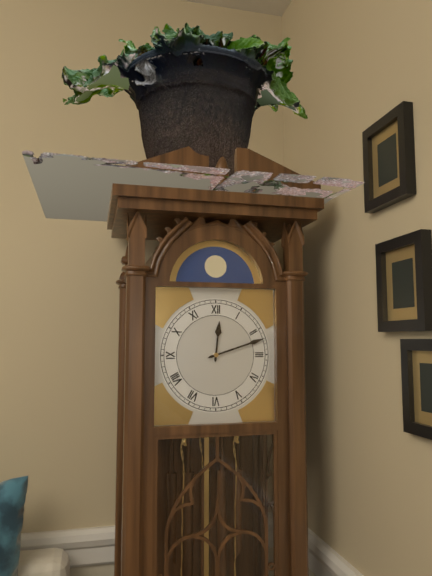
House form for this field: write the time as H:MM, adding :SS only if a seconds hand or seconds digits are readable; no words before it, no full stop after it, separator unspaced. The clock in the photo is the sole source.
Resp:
12:12
